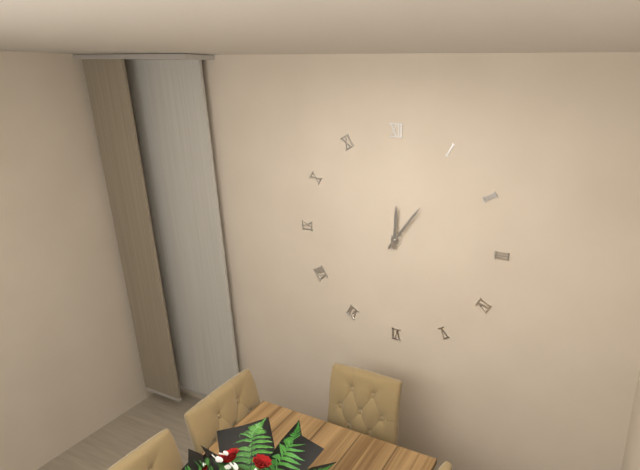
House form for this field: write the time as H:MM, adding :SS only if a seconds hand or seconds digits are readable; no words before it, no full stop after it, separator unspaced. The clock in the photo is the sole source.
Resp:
12:06
